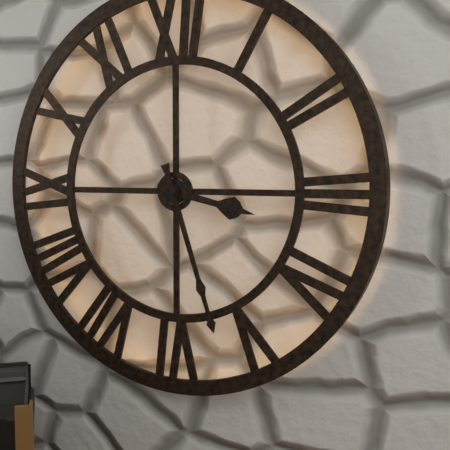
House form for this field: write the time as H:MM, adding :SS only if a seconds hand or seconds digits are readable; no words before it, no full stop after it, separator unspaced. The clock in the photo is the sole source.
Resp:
3:27
